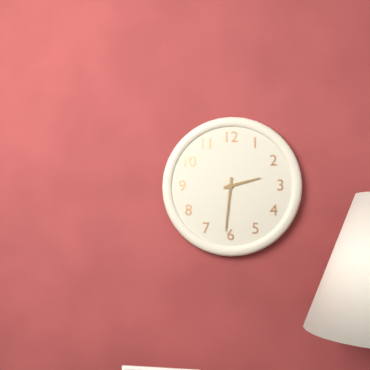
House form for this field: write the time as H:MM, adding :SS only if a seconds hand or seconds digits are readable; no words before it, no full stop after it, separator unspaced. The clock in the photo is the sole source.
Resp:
2:31
